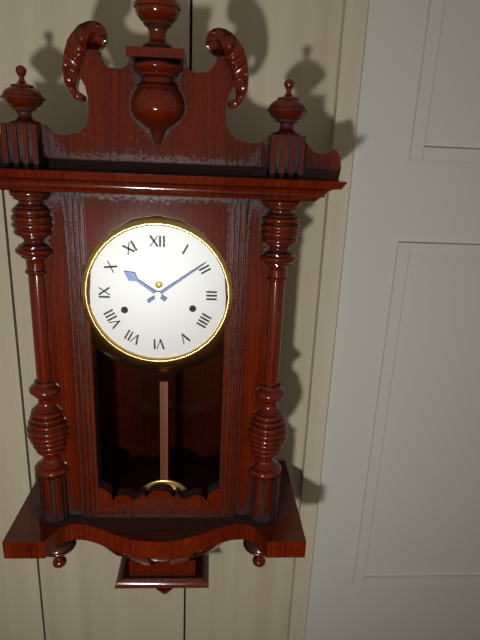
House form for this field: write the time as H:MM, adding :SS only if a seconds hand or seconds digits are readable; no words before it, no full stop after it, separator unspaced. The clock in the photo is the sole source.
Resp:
10:09
